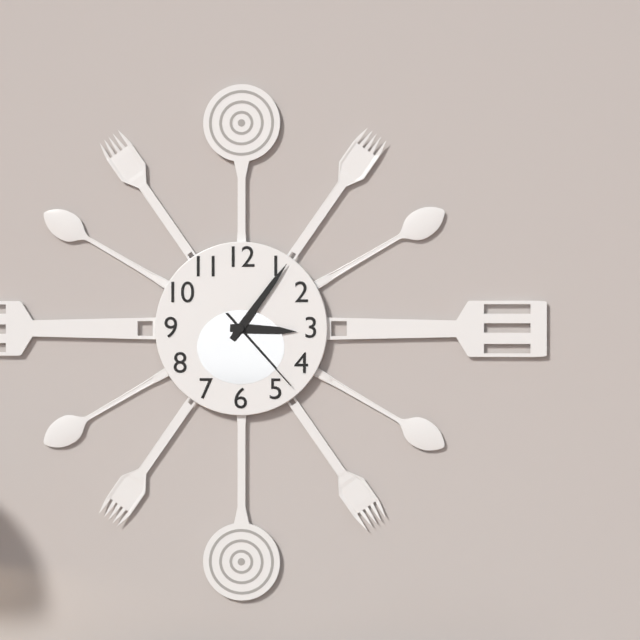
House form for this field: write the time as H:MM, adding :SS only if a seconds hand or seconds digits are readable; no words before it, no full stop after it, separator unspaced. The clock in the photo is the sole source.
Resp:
3:06:23
